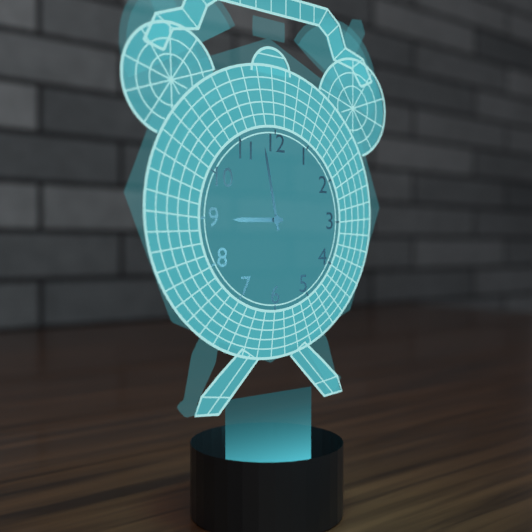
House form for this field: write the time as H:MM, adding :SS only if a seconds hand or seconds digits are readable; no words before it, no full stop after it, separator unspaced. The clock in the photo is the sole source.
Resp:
8:58
